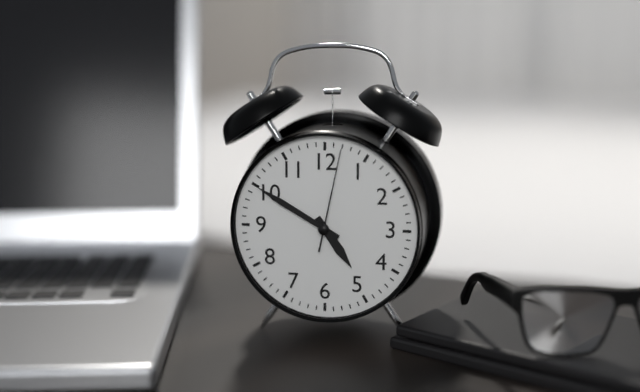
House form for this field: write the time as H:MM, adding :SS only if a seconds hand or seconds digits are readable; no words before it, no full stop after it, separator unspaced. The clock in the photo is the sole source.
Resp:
4:50:02
